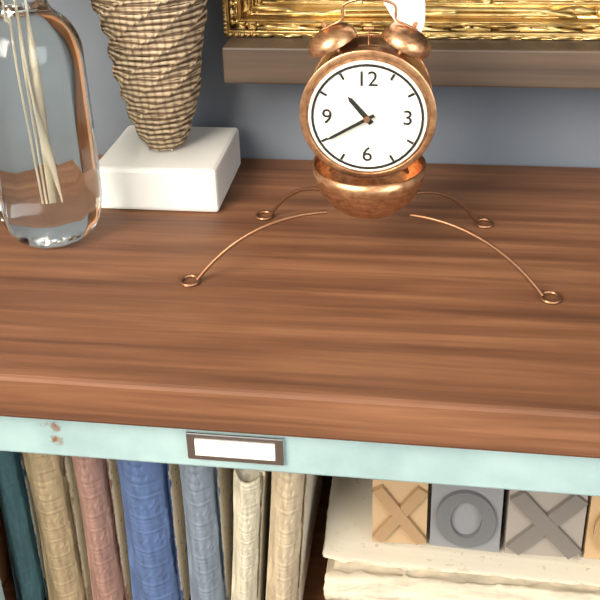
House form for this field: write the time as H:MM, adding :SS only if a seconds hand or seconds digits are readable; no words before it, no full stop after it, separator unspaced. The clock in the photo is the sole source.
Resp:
10:40
